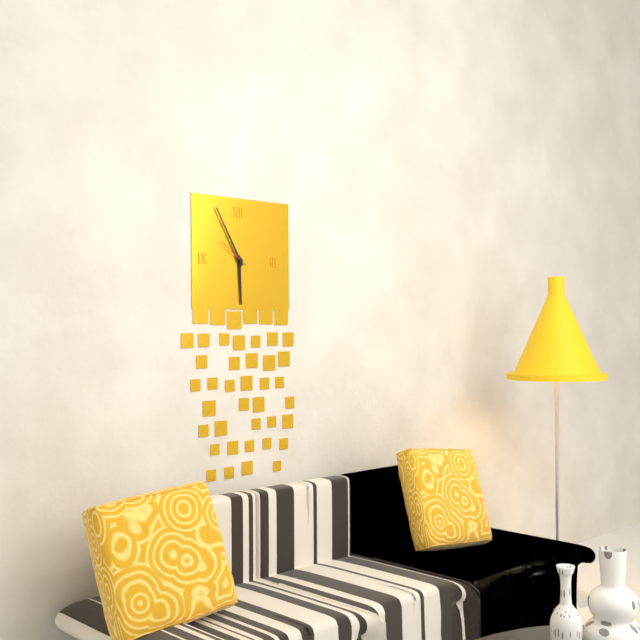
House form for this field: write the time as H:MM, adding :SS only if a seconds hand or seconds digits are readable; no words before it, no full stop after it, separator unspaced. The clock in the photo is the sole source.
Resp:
5:55
